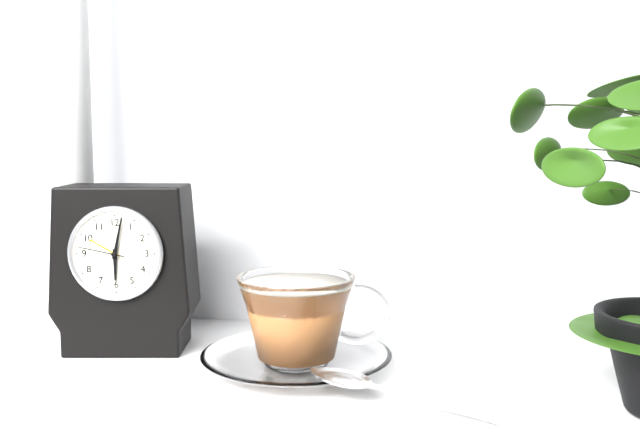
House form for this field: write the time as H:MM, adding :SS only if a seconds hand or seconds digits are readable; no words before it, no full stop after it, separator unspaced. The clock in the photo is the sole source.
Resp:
6:02:47
